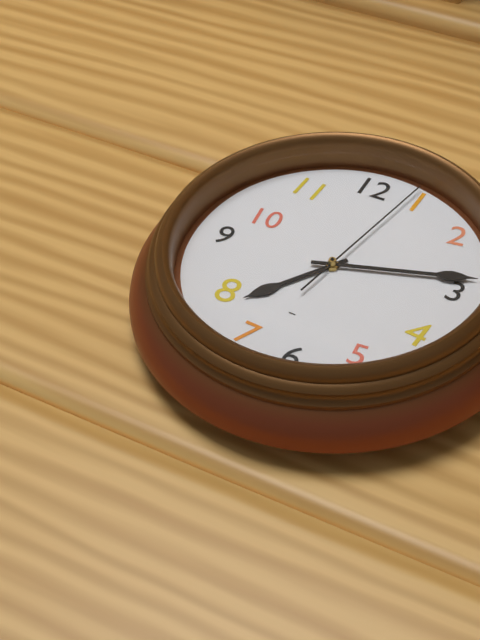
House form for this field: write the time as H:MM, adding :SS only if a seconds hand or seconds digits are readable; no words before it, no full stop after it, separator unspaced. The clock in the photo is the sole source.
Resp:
7:12:02
